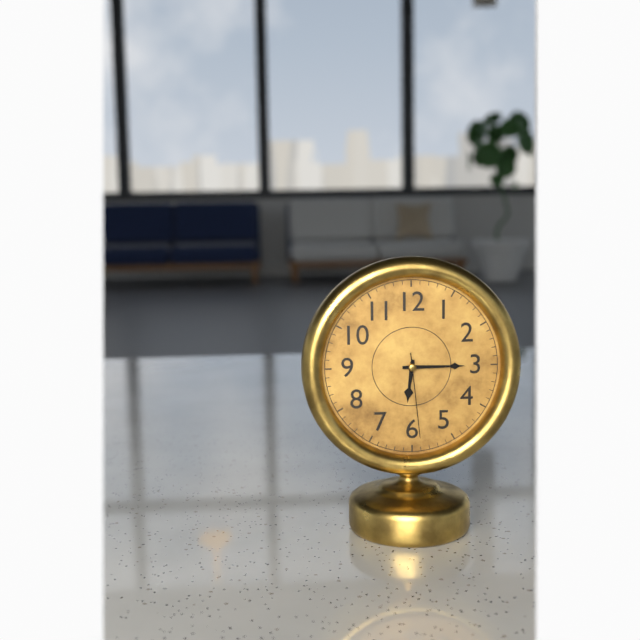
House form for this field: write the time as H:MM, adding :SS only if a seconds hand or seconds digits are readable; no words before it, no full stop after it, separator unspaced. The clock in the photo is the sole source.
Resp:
6:15:29
